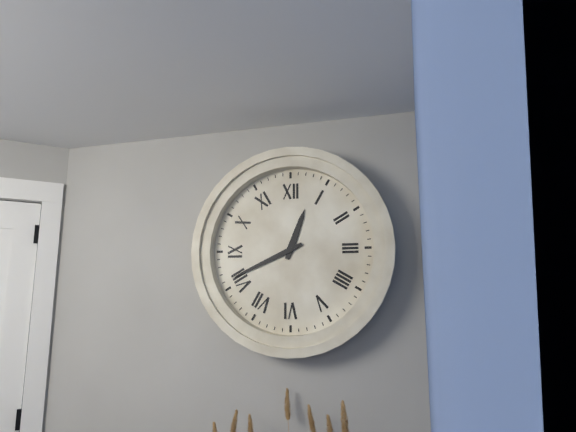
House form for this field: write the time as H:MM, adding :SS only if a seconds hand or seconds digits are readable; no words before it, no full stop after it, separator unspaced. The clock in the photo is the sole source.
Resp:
12:41
